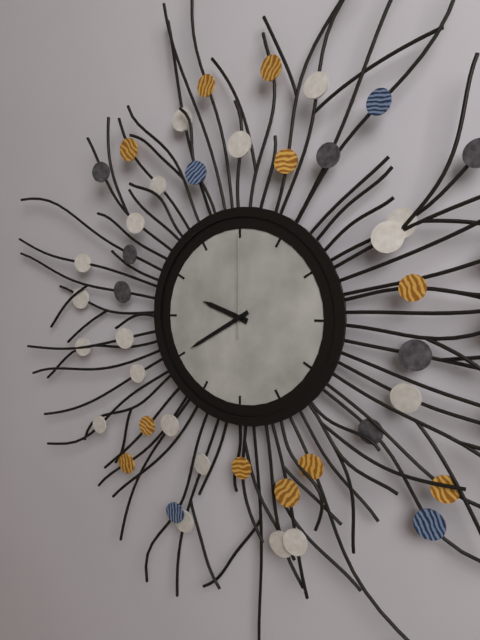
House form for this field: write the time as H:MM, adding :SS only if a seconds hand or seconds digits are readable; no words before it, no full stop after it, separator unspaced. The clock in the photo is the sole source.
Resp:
9:40:00
